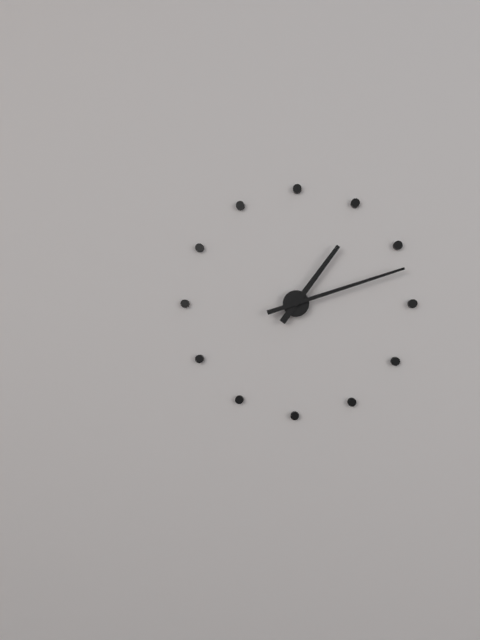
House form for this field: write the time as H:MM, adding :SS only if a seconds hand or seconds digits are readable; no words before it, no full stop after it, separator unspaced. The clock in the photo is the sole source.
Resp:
1:12
